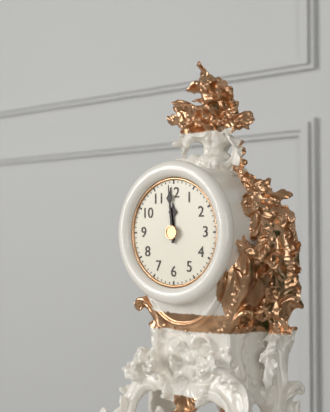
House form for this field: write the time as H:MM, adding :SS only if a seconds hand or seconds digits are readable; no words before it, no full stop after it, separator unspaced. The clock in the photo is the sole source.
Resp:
11:59
